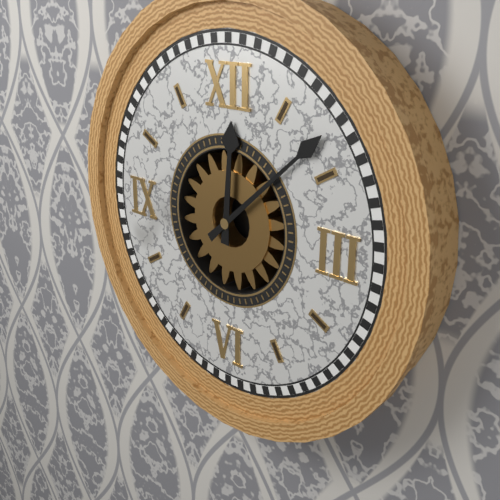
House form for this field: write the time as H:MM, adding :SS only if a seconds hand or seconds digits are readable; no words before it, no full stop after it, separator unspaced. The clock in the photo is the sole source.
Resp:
12:08
